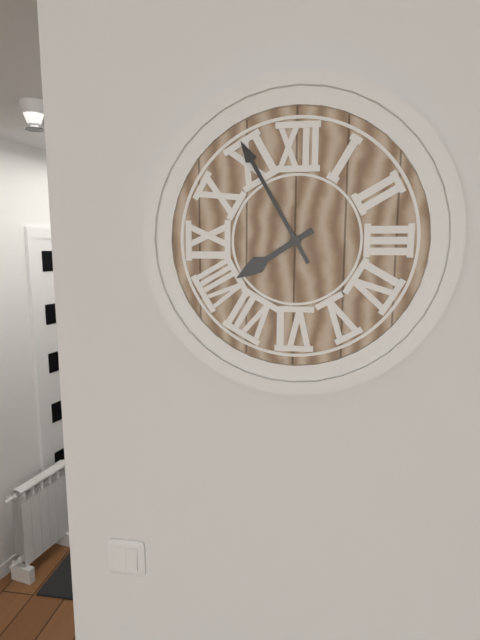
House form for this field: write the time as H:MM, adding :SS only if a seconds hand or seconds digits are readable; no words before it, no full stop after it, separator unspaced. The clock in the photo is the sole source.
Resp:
7:55
